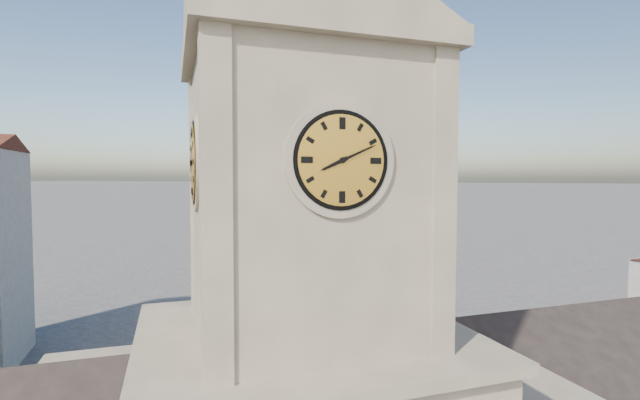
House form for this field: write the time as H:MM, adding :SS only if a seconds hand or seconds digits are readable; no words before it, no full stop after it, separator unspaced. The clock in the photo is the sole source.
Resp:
8:11
